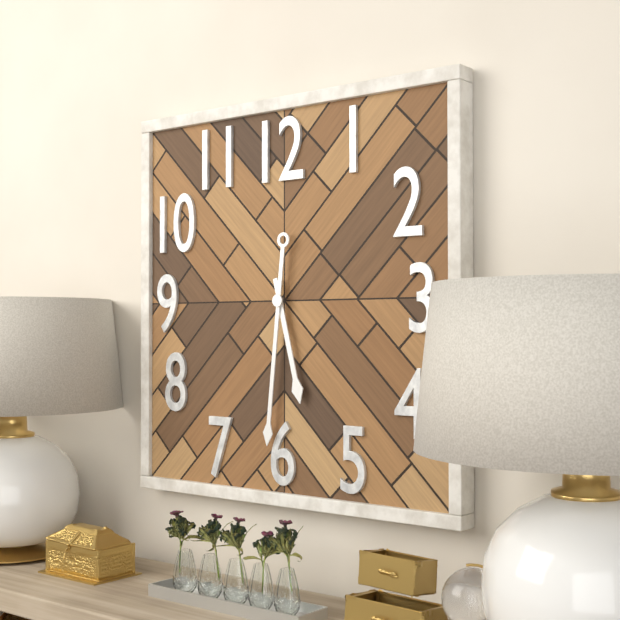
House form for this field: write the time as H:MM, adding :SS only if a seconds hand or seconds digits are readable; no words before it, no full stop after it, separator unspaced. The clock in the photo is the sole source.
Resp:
5:31
